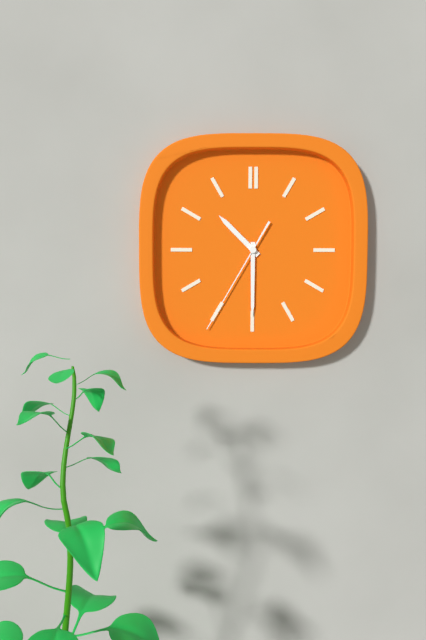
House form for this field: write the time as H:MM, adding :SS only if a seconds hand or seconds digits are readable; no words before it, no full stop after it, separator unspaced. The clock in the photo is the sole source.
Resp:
10:30:35
